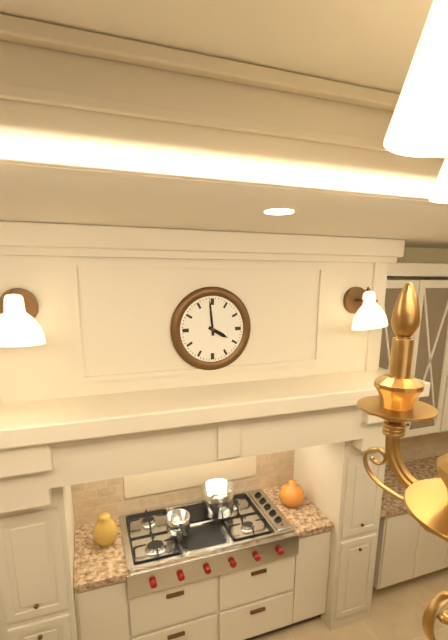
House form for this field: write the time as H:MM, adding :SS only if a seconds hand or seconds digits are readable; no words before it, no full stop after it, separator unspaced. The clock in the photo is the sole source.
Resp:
3:59
